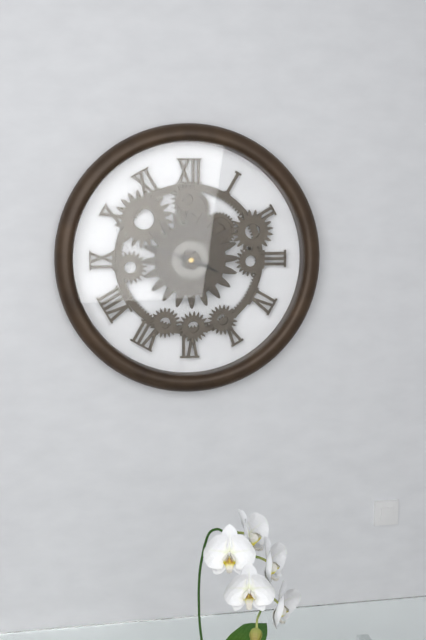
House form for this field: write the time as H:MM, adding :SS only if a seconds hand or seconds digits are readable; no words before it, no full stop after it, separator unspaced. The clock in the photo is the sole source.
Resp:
3:48
